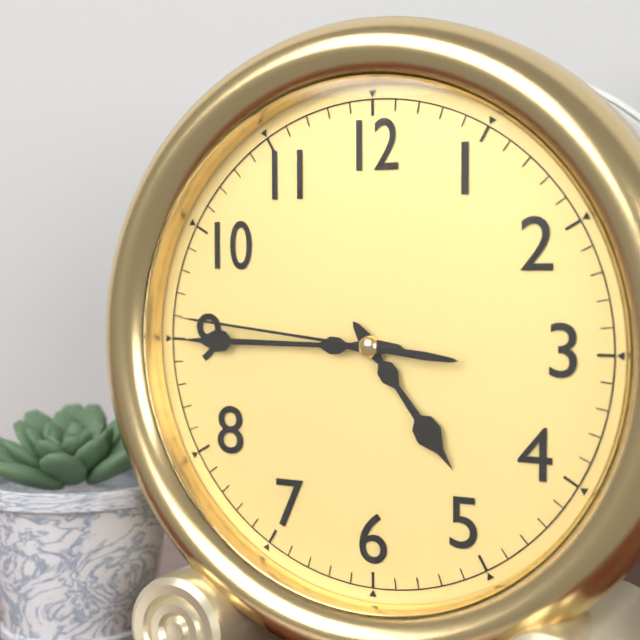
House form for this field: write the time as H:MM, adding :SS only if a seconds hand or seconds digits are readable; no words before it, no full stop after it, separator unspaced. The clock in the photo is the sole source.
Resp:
4:45:46
